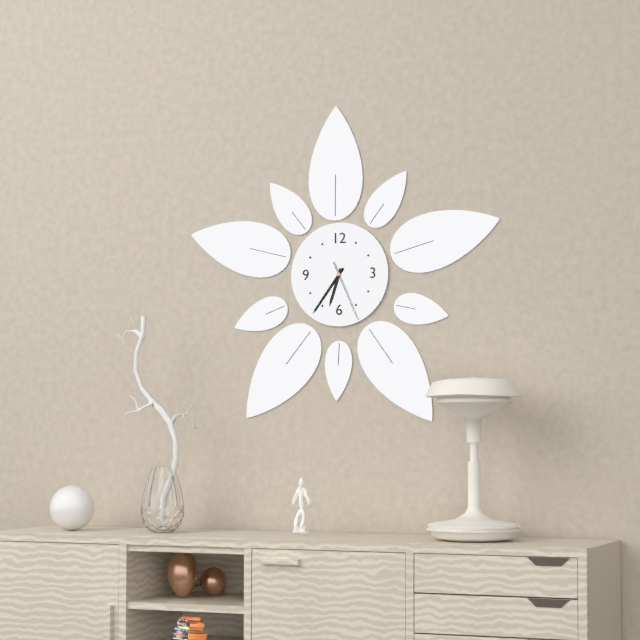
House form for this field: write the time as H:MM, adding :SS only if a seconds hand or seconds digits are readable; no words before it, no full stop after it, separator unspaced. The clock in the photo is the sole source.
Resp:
6:36:26
